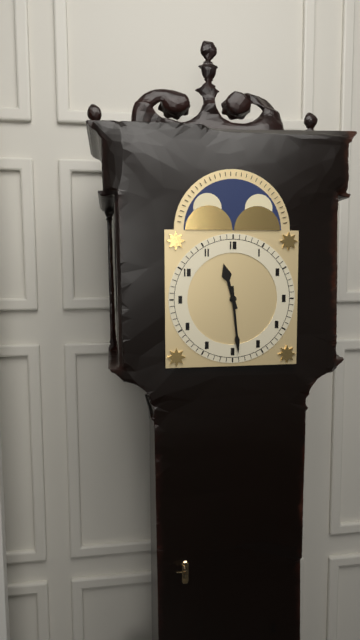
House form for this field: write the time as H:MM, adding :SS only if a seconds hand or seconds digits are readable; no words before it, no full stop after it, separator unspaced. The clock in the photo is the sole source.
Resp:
11:29
